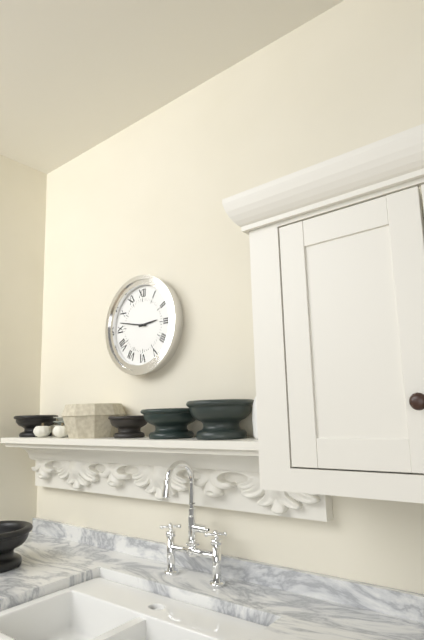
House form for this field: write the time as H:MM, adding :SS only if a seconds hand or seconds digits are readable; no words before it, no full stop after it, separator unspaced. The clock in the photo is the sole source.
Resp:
2:47
